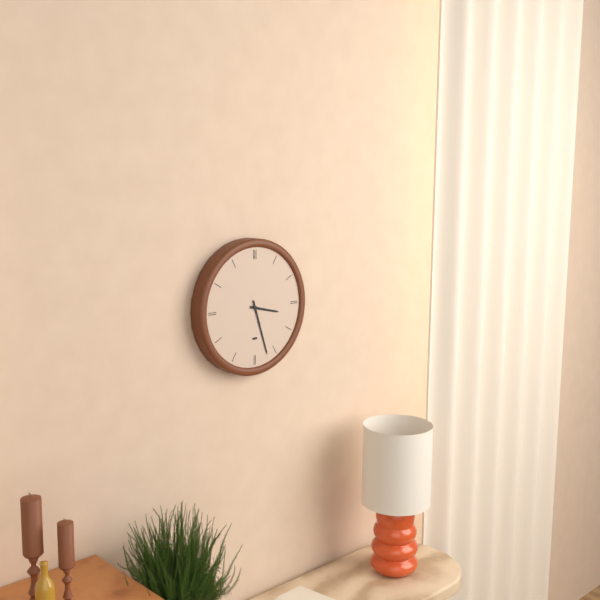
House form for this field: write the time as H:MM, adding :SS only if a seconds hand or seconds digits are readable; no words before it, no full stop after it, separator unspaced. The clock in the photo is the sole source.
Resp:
3:27
